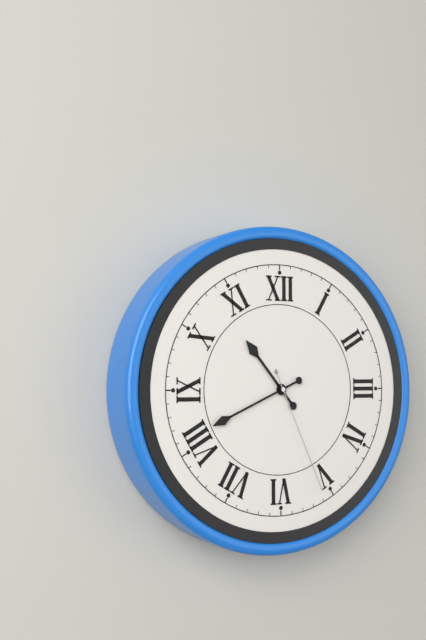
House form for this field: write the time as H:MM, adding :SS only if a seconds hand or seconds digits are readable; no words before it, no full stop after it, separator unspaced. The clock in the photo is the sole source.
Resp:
10:41:26
